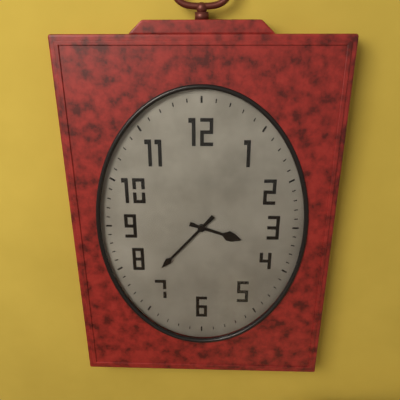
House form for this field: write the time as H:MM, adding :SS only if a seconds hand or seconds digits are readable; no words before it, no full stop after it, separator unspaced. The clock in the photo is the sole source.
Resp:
3:37
